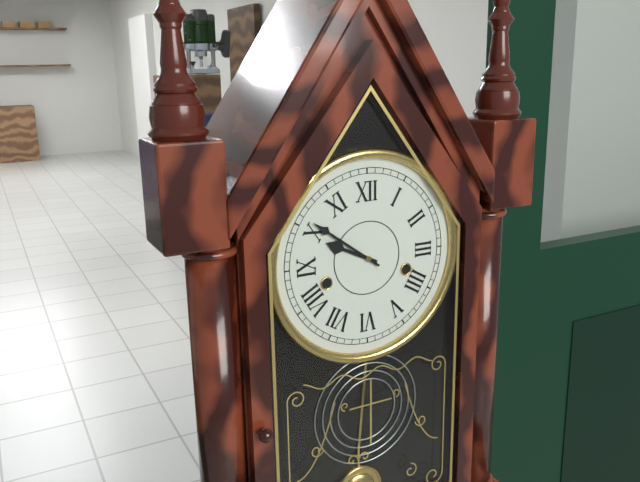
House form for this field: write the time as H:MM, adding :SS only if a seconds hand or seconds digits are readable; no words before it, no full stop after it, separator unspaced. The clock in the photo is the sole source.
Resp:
9:51
